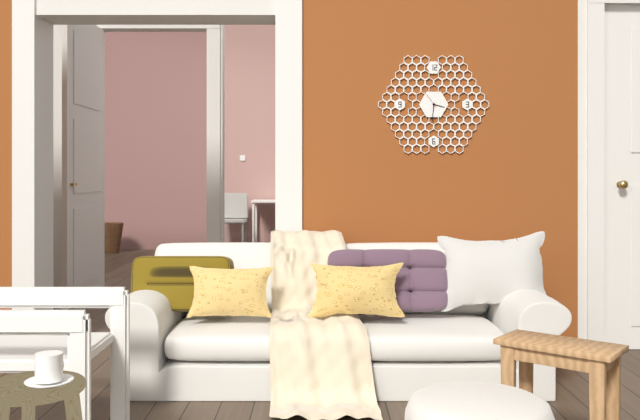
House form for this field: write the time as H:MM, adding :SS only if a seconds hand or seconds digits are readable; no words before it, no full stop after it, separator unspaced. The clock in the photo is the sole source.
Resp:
3:31
